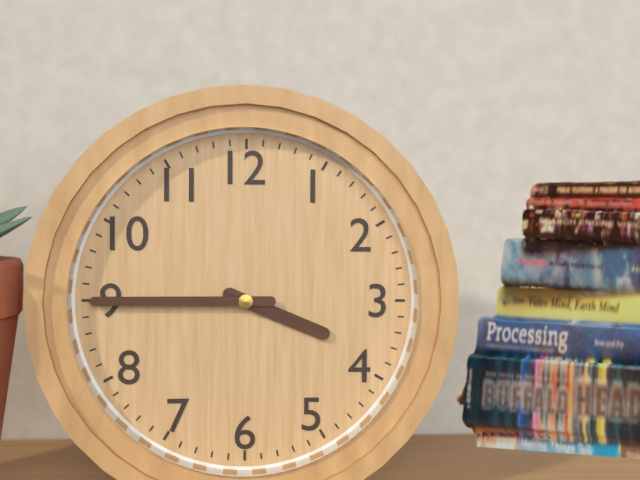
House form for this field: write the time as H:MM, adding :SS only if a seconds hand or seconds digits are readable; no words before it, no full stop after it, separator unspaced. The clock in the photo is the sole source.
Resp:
3:45
